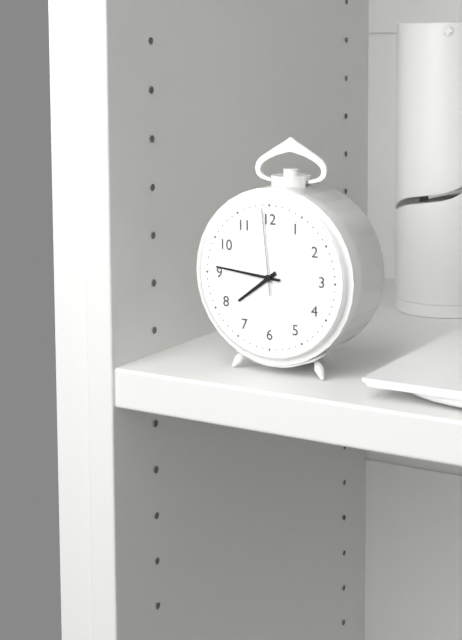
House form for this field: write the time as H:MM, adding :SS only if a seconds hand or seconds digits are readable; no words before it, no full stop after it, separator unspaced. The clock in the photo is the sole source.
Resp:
7:46:59
